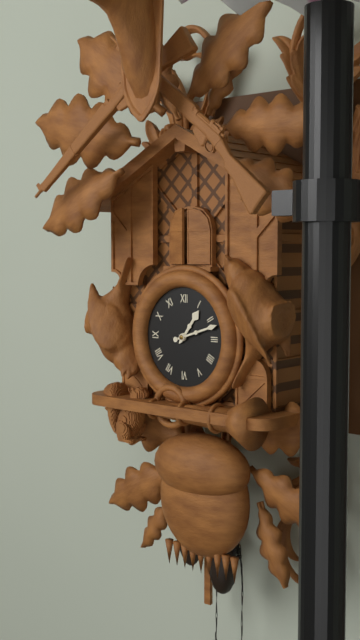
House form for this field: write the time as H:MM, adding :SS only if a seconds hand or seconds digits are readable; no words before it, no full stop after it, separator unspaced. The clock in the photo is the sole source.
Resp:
1:12
